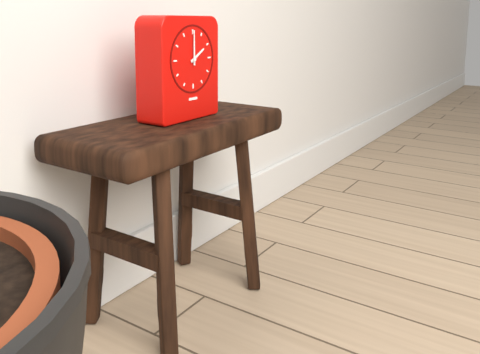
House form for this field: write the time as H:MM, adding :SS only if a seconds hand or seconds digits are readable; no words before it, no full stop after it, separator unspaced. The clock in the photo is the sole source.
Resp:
2:00
